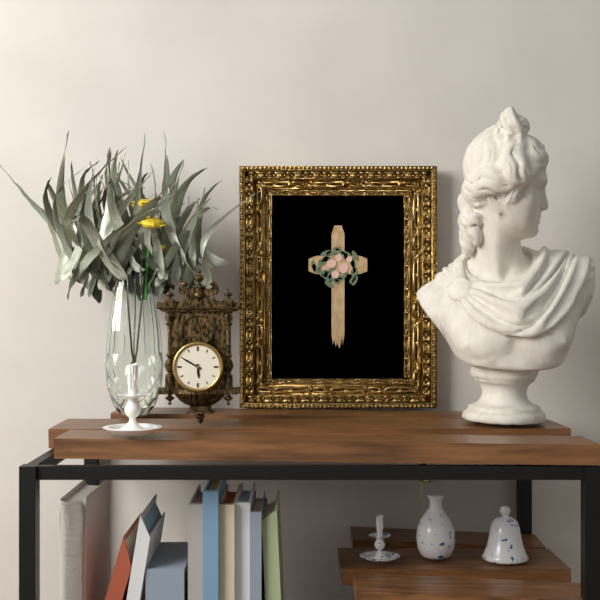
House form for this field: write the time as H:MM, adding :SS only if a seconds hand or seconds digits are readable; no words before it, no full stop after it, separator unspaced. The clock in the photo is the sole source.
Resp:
5:50
